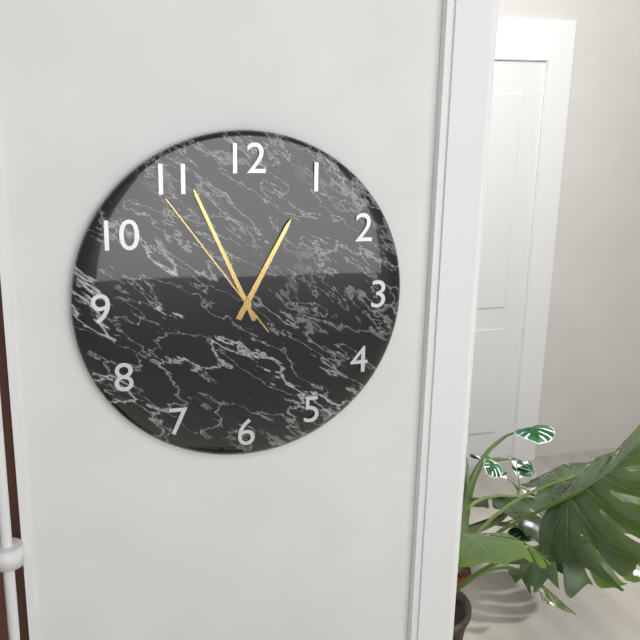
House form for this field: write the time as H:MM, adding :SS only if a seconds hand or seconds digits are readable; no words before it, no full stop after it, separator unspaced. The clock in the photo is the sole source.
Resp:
12:56:54
